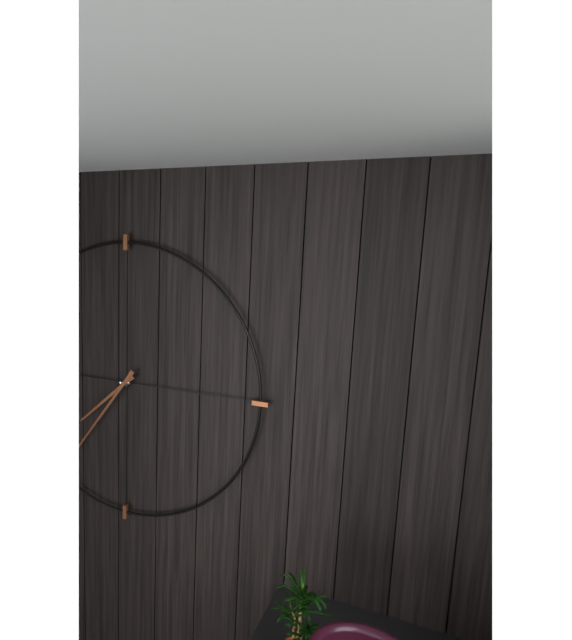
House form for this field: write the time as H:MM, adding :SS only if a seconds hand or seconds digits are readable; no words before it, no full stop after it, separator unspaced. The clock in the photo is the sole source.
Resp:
7:36
